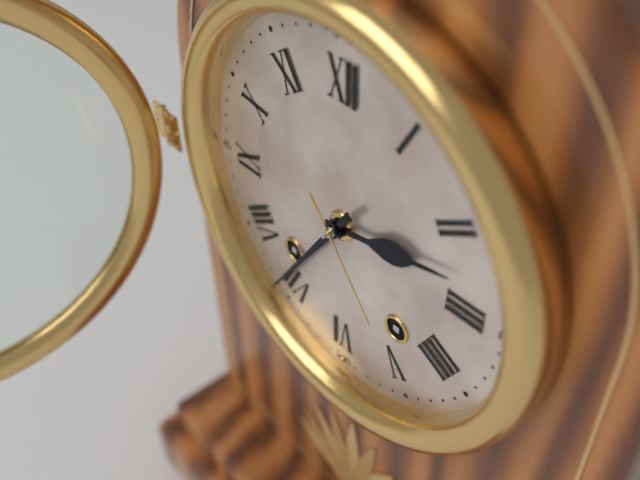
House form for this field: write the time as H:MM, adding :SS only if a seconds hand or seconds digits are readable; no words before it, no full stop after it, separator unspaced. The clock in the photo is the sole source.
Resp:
2:36
